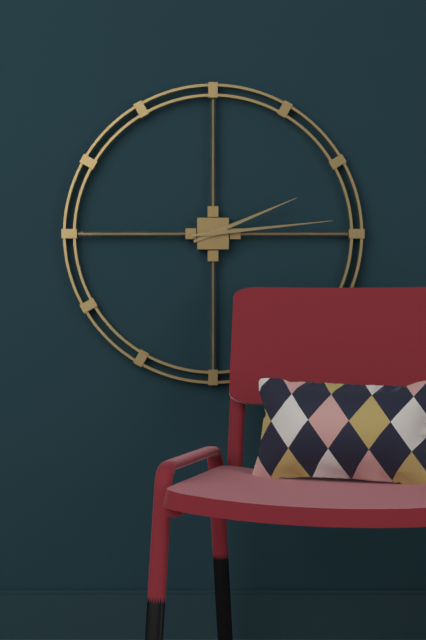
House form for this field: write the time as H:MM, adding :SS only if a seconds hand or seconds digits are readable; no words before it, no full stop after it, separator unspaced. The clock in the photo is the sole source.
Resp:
2:14
